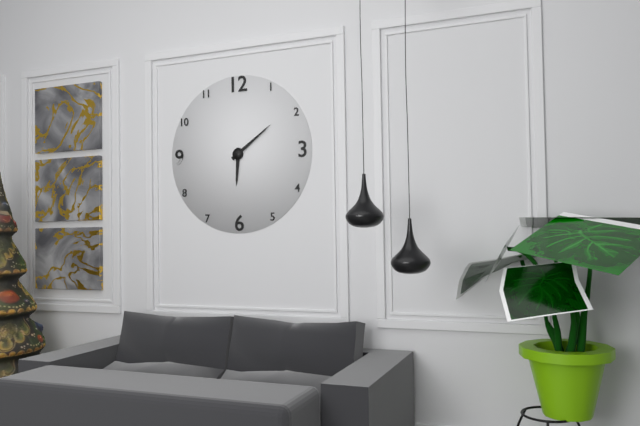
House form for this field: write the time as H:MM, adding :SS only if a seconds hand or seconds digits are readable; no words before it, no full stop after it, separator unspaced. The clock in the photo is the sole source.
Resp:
6:09
